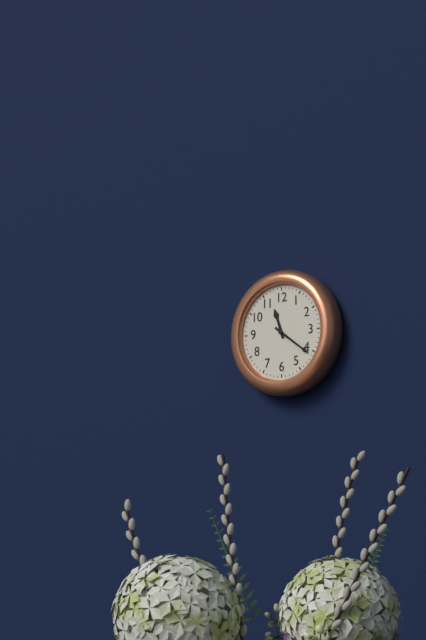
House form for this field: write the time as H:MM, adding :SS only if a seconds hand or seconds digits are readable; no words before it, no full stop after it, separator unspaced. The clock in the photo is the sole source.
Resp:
11:21
